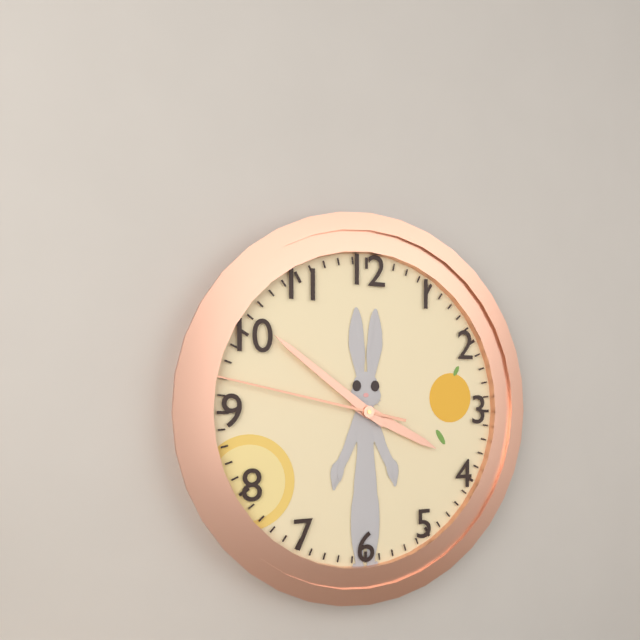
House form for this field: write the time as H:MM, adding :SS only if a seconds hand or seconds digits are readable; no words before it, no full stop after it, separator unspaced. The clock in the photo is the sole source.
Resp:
3:51:47
